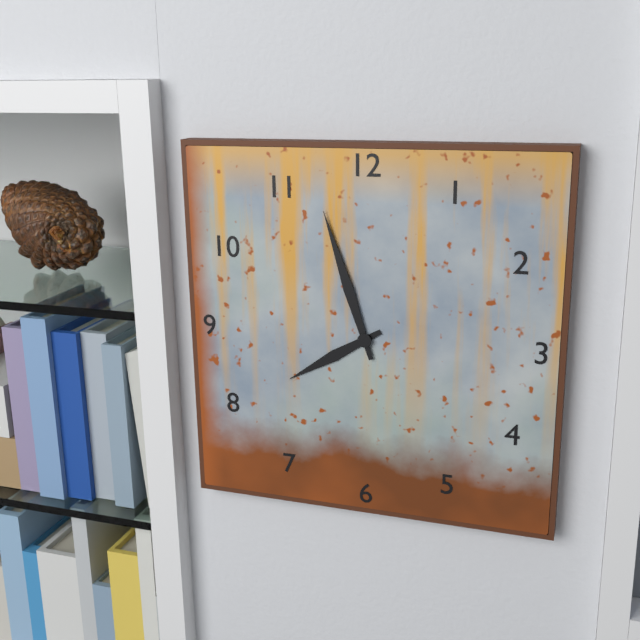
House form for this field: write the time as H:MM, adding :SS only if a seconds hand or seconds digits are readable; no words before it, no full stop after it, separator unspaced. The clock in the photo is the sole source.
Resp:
7:57
